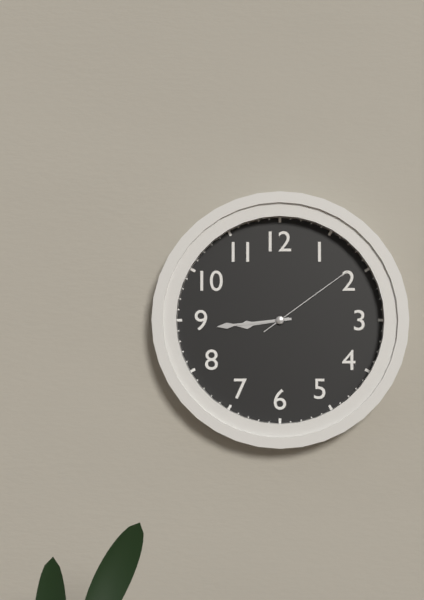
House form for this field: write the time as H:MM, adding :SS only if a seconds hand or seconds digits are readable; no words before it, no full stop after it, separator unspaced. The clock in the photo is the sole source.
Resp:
8:44:09
